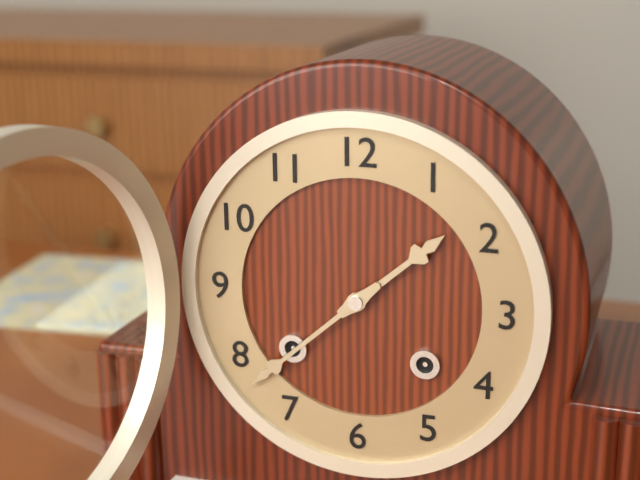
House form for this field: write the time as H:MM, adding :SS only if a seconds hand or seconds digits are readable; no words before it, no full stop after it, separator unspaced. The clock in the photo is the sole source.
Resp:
1:38
